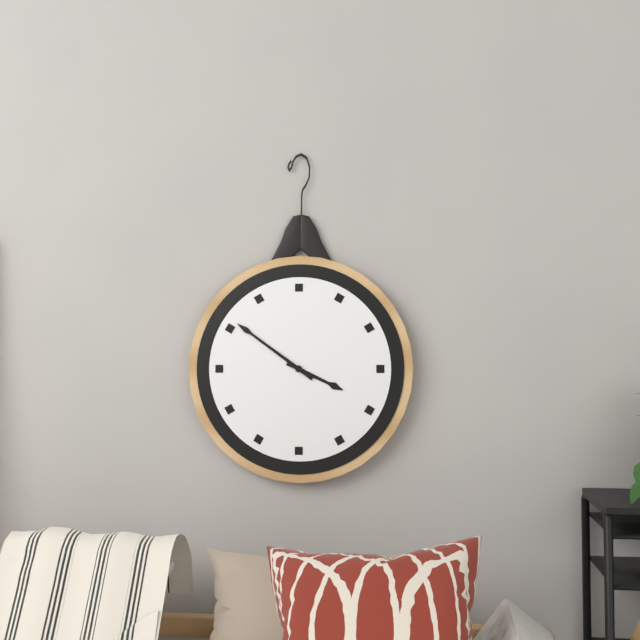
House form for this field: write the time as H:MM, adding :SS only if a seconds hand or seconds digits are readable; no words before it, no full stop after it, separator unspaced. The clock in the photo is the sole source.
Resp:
3:51
